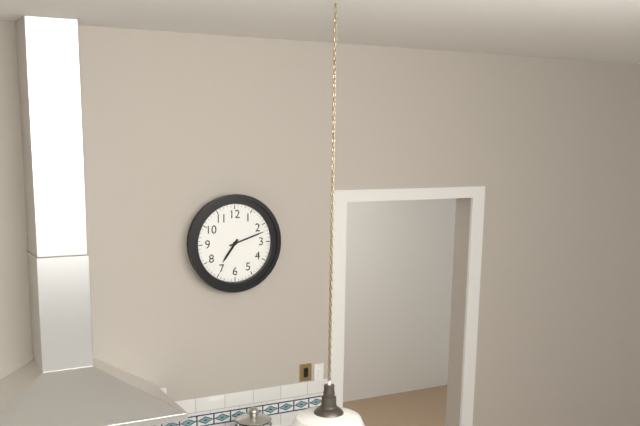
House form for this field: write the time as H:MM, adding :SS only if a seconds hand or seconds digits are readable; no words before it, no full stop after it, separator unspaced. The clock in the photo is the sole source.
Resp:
7:12
